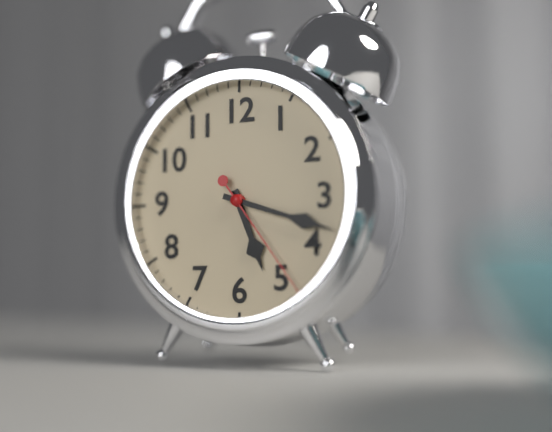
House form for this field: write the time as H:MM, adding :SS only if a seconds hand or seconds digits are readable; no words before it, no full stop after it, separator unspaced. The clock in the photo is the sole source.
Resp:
5:18:24
